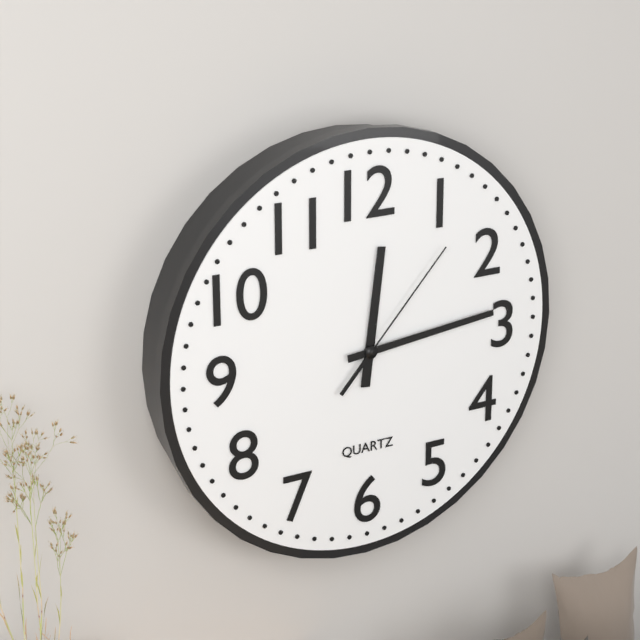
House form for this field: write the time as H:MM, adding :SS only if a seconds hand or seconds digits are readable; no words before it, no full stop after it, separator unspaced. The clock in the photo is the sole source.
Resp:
12:14:07
